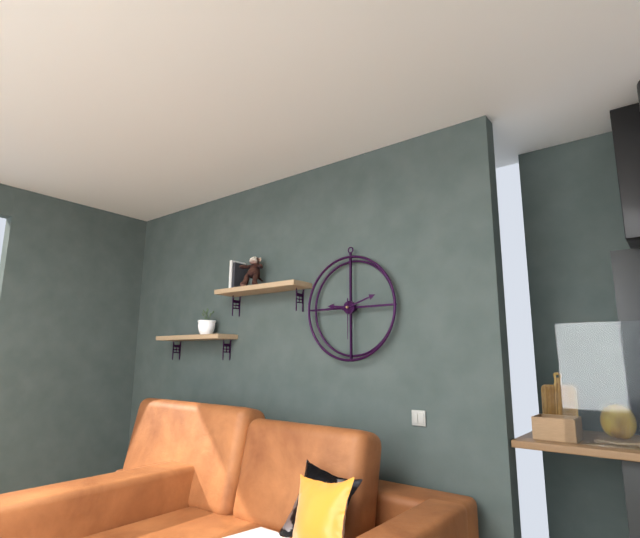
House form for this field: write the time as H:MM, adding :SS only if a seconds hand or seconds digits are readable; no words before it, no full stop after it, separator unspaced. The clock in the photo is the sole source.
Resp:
9:12
